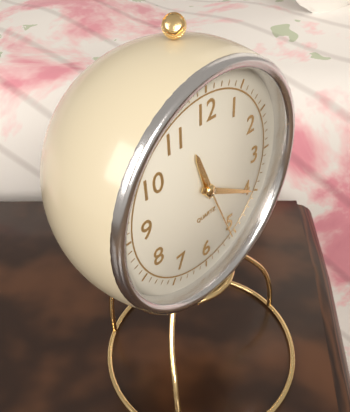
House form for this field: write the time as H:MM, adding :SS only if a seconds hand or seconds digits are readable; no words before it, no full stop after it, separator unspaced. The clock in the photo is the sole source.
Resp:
11:20:26
